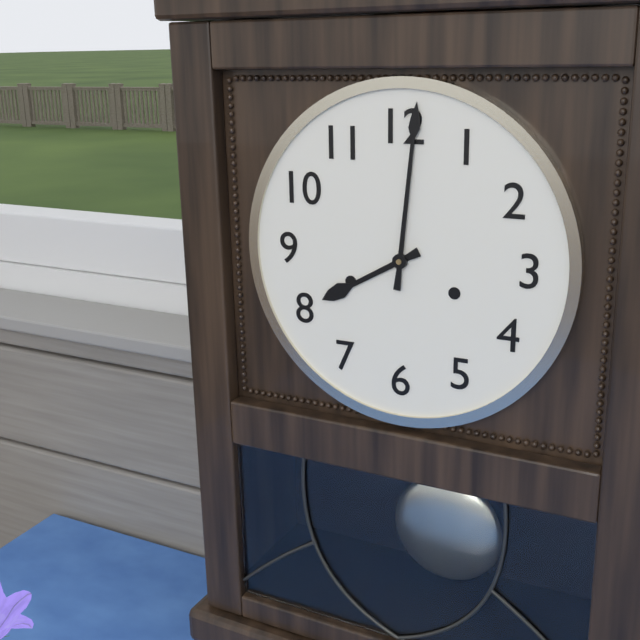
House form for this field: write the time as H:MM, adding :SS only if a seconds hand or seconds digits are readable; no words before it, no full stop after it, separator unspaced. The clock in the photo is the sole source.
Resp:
8:01
